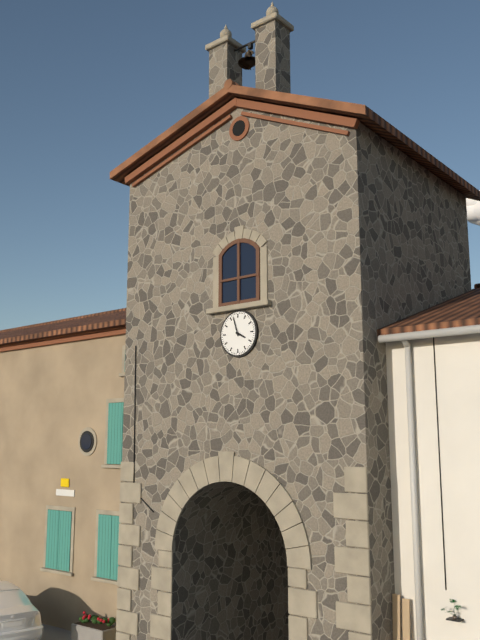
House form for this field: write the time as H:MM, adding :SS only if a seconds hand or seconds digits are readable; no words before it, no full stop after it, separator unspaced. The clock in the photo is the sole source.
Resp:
3:57
